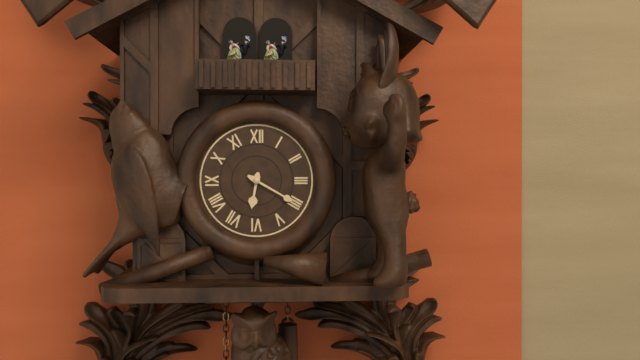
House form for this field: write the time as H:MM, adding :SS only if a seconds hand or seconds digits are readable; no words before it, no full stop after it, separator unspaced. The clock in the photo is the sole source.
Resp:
6:20
